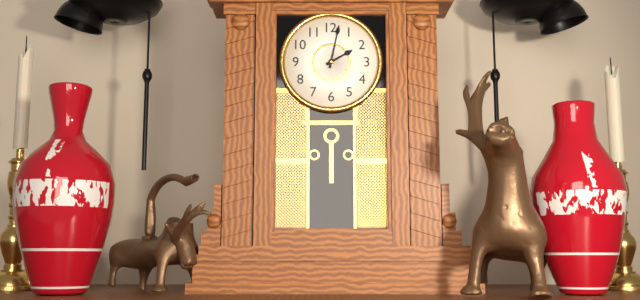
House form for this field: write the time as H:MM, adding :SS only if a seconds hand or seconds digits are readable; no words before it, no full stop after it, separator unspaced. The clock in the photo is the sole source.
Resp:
2:02
